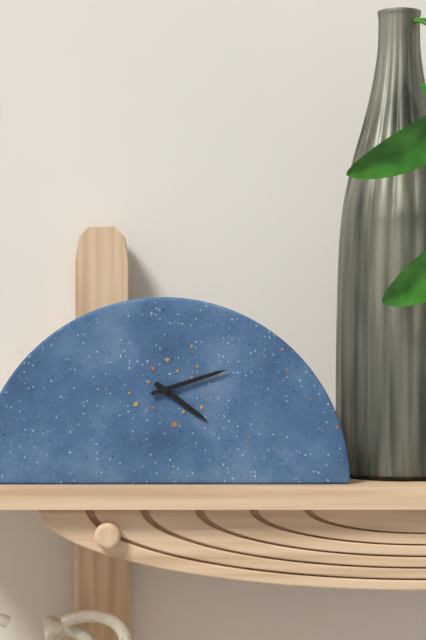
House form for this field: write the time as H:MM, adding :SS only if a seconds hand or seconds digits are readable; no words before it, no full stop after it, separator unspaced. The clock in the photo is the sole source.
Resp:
4:12
